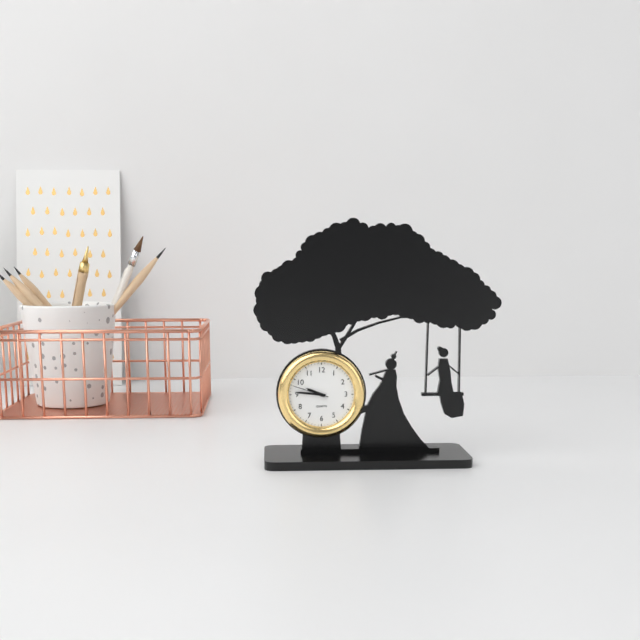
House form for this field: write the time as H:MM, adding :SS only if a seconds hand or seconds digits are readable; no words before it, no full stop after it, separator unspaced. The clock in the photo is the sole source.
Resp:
9:46
